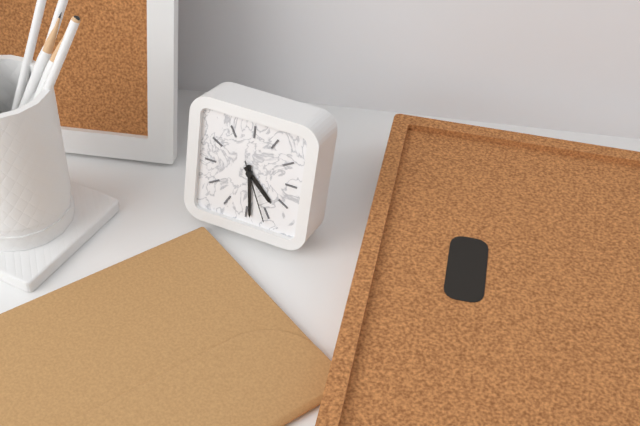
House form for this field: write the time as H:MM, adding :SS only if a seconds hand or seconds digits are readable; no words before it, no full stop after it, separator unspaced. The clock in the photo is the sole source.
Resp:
4:29:26
